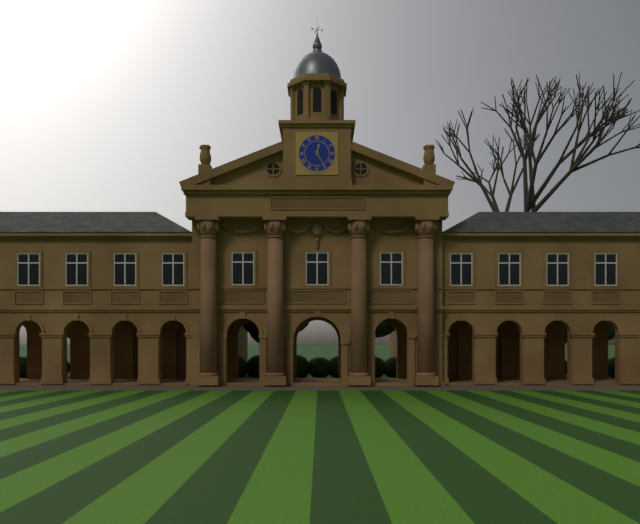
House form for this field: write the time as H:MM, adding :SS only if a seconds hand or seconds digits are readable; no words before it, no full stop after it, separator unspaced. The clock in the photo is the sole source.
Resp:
12:25
